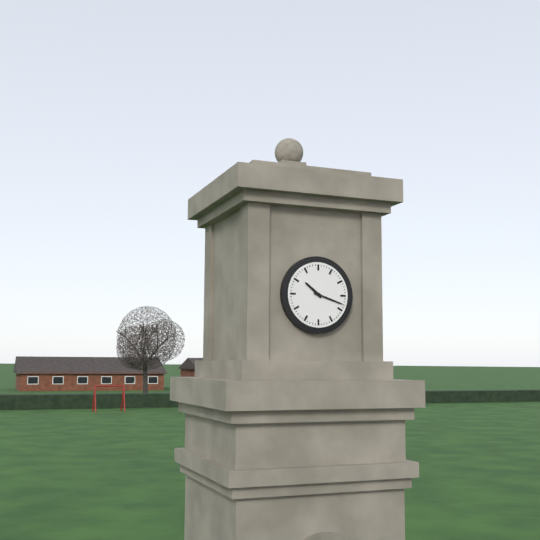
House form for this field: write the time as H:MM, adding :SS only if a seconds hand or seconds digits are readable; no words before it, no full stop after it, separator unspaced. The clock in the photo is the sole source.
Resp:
10:18
